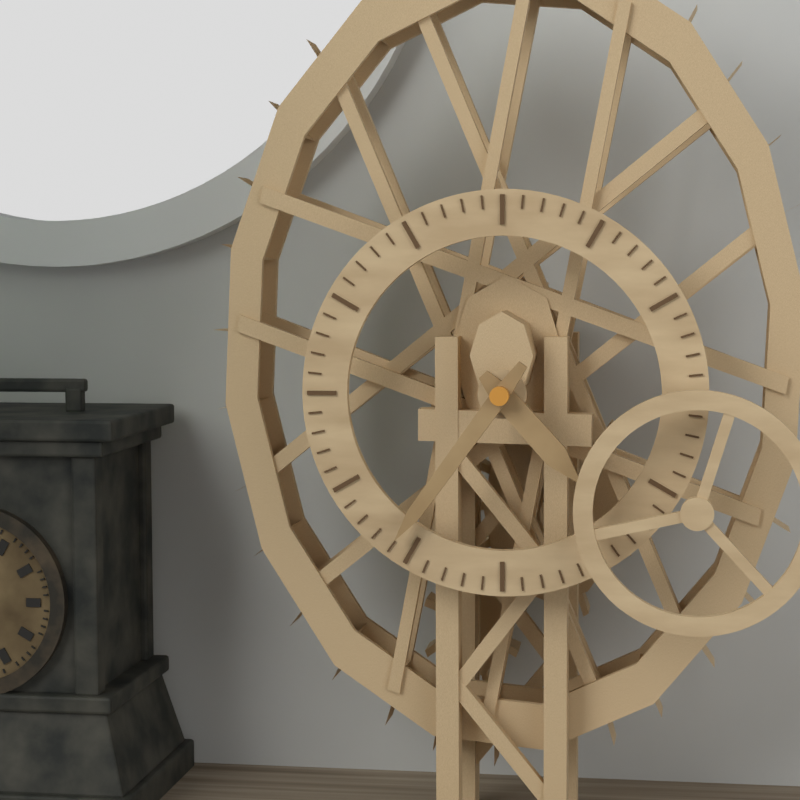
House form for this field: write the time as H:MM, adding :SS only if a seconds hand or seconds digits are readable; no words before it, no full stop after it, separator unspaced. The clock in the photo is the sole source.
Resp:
4:36
